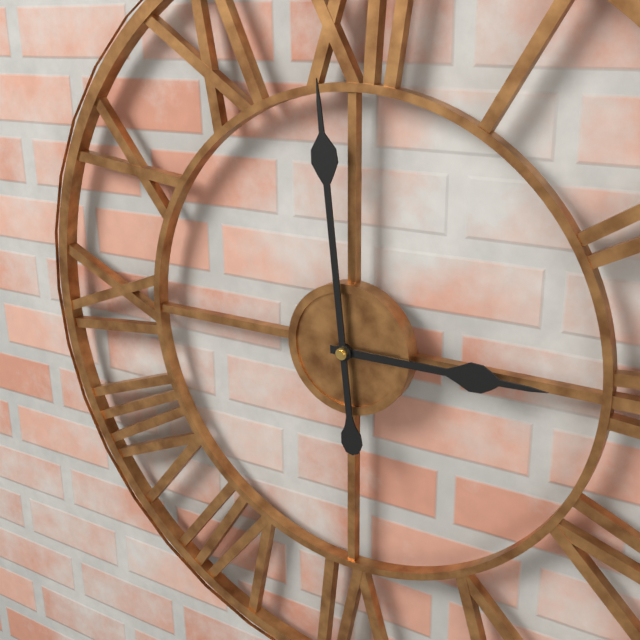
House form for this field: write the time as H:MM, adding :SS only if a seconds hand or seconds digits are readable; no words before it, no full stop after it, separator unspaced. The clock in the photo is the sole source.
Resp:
2:59
